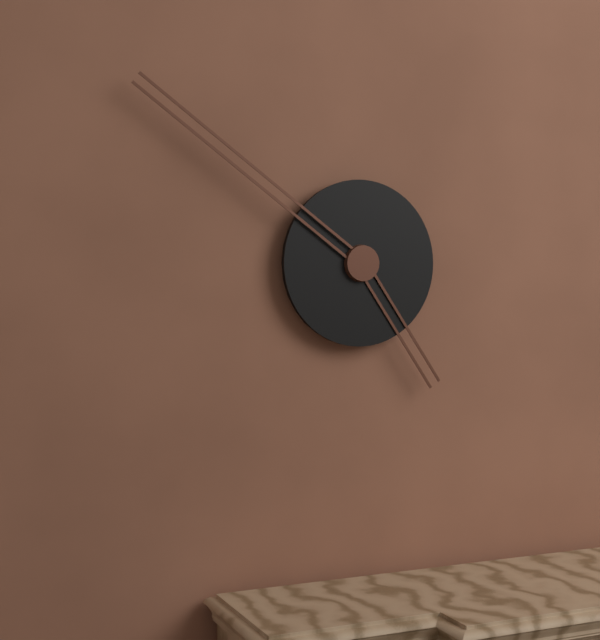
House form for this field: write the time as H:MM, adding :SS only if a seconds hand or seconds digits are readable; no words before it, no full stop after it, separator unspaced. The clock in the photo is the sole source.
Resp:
4:51
